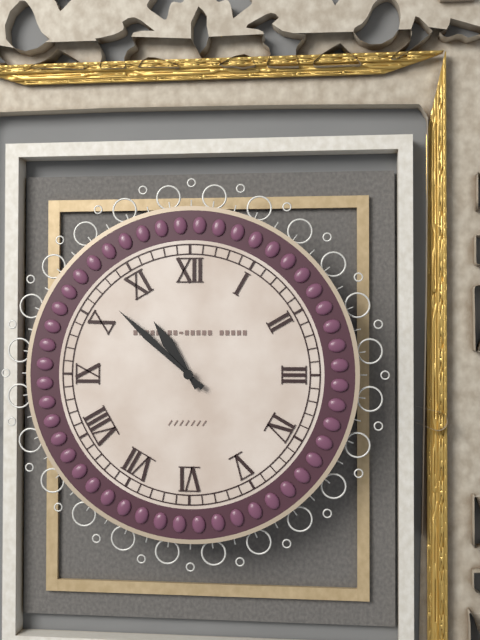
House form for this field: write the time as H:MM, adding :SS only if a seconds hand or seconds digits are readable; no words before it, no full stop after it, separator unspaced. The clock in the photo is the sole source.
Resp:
10:52
